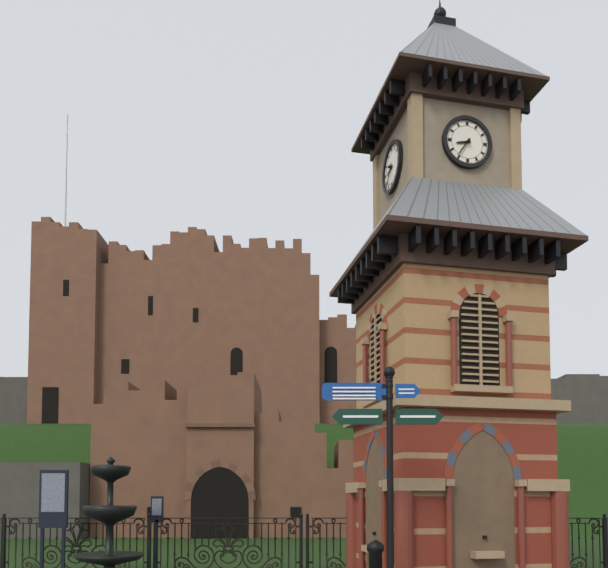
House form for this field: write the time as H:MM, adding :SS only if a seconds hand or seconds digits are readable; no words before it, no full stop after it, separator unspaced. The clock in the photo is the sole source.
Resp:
8:36
